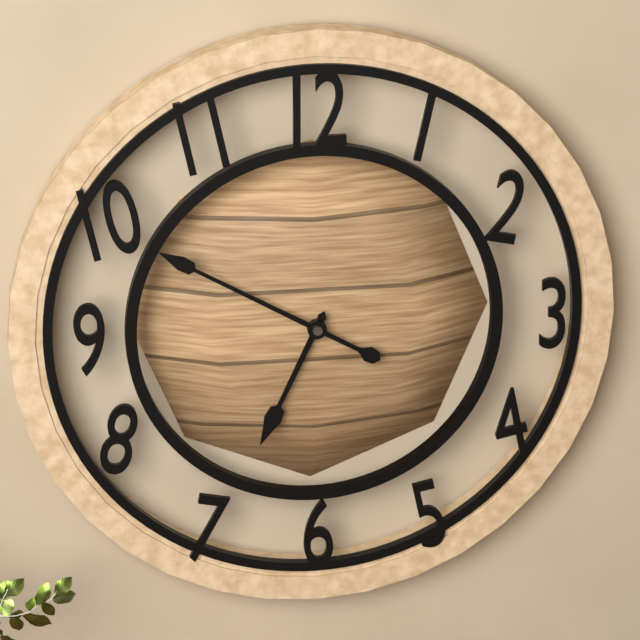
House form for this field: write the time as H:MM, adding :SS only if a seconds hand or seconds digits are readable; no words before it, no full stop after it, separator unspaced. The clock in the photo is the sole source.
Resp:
6:50
